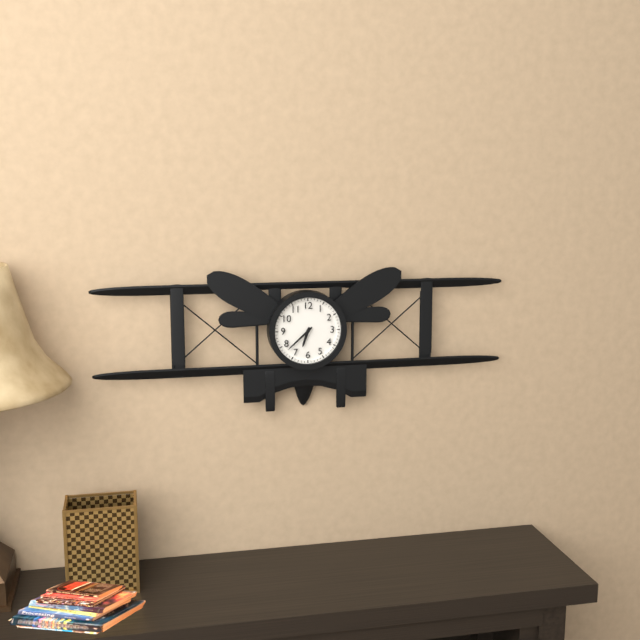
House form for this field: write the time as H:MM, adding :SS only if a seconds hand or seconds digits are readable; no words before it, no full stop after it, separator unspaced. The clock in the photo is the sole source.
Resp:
6:38
